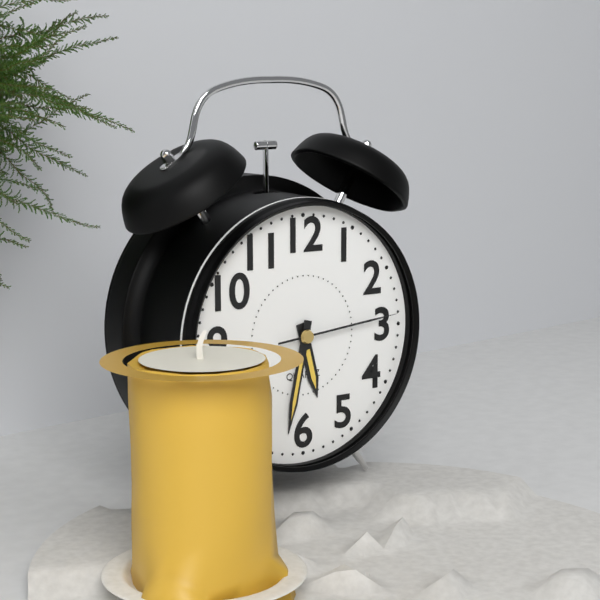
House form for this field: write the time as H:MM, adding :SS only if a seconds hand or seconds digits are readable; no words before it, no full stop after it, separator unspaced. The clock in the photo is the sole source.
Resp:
5:32:14
